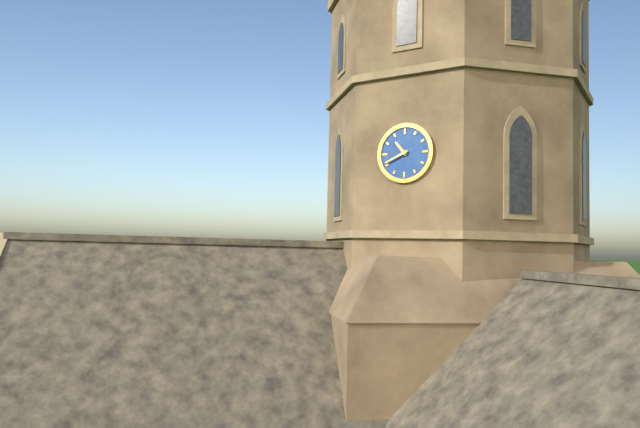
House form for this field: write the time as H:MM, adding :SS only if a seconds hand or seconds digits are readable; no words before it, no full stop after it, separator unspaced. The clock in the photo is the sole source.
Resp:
10:41
